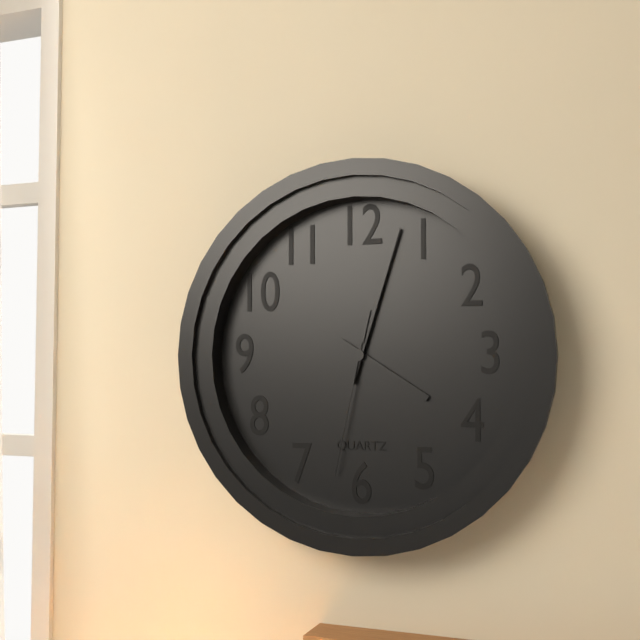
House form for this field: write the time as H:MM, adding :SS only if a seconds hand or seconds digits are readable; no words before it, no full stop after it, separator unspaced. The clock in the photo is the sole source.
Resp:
4:03:32
